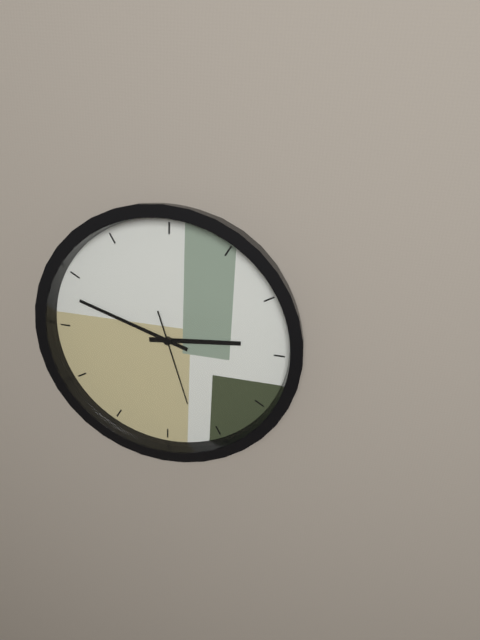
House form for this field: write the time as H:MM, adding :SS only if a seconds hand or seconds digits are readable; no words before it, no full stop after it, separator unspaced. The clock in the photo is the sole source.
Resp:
2:48:27
